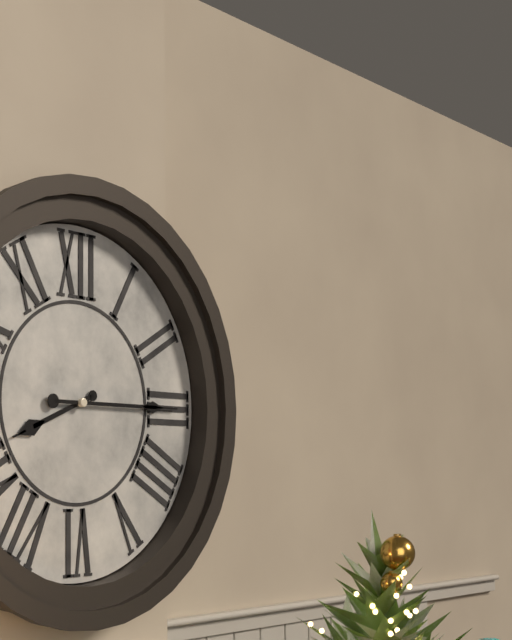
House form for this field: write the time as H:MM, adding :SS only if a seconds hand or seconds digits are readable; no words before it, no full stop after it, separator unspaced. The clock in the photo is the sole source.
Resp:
8:15
